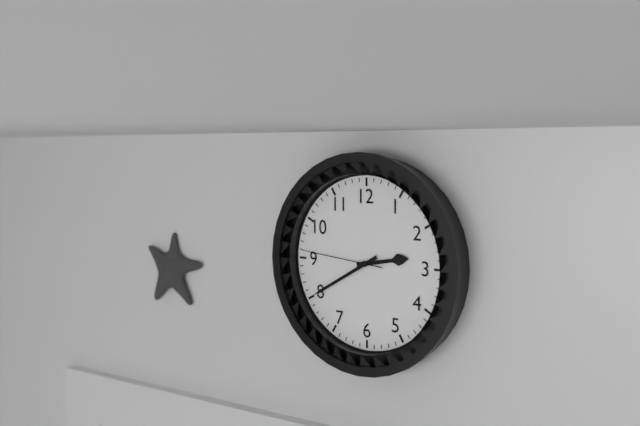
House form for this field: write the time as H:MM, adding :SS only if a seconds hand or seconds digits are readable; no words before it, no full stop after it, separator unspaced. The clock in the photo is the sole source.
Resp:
2:40:46
